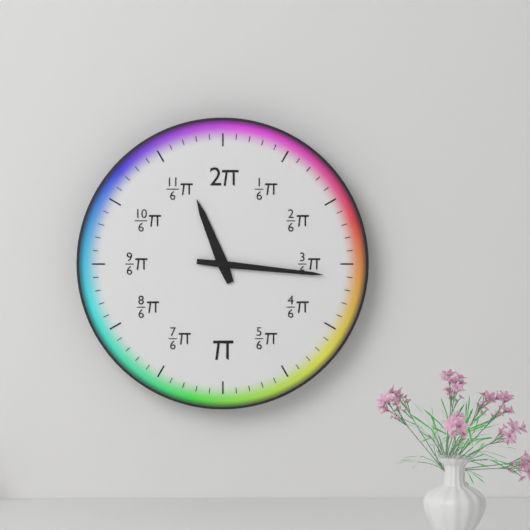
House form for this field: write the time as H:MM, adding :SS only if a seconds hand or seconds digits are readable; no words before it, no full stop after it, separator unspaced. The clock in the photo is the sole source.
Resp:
11:16
